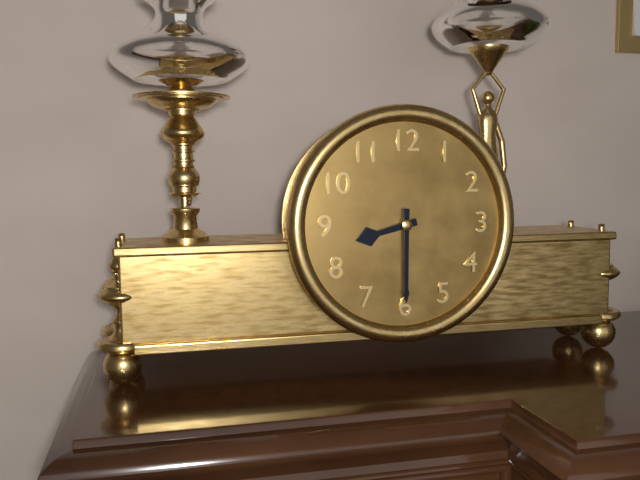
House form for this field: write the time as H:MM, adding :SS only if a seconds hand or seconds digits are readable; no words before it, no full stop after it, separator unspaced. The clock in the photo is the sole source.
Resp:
8:30
